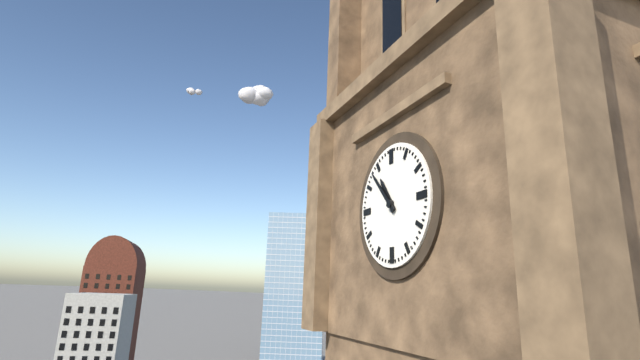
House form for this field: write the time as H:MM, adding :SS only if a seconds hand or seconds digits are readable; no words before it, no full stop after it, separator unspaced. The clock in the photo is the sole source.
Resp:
10:53
